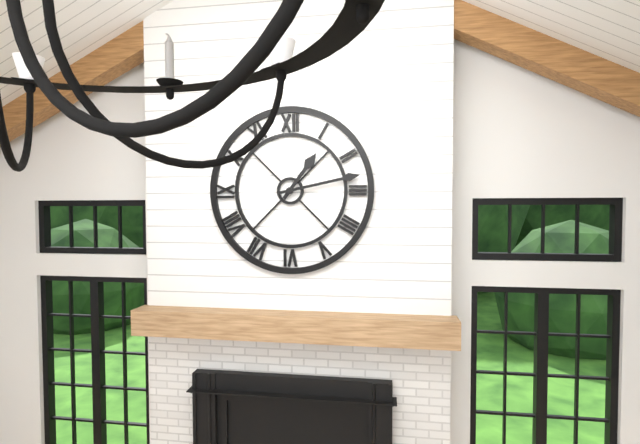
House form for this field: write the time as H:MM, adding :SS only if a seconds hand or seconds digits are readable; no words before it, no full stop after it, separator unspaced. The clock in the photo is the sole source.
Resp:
1:13
